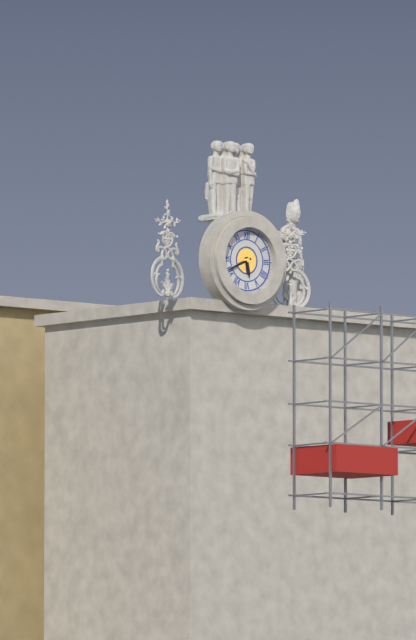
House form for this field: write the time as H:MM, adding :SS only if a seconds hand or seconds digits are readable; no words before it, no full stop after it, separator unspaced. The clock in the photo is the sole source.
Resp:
5:41
